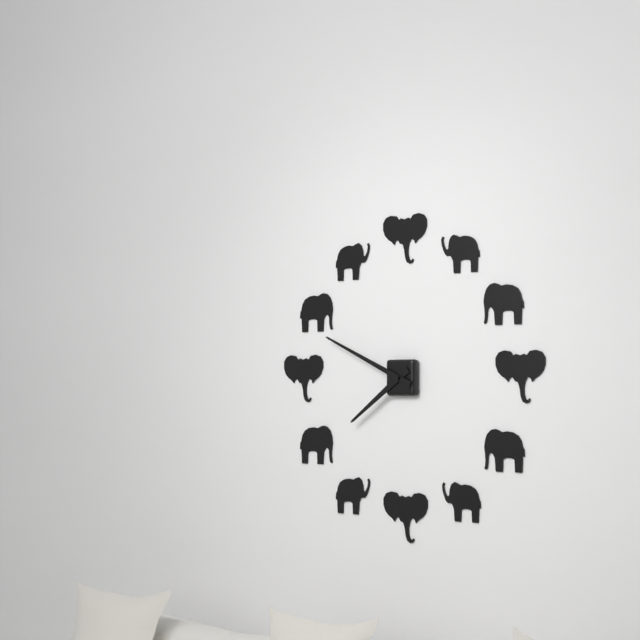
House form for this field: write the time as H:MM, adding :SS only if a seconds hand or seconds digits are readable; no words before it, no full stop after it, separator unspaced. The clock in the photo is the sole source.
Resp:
7:49
